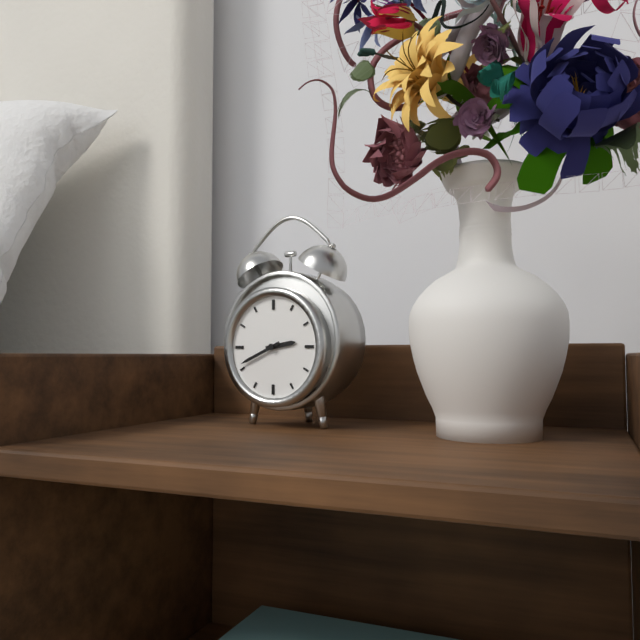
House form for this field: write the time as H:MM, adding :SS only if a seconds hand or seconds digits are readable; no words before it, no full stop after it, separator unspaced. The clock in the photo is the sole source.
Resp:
2:41
